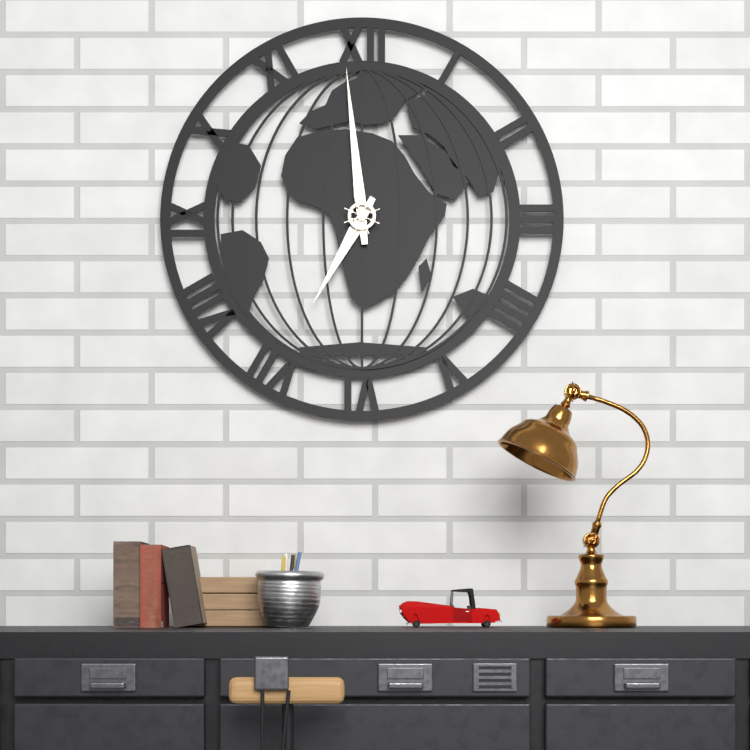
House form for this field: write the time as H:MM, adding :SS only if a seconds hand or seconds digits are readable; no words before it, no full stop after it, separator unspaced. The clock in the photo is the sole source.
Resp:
6:59
